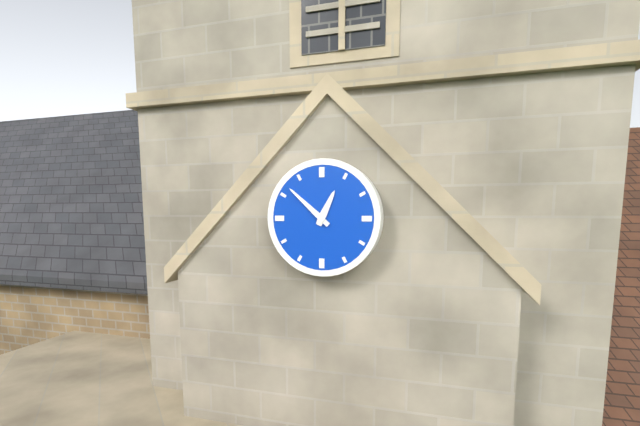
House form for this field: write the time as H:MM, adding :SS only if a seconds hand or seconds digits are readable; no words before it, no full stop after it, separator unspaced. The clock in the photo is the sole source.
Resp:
12:52
